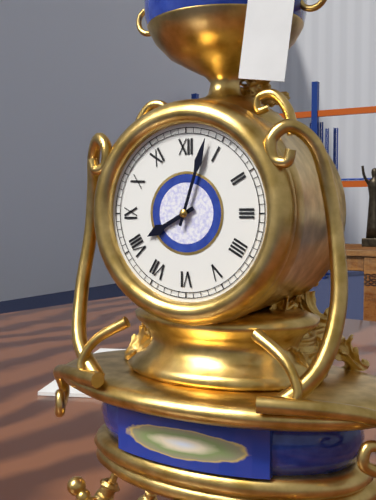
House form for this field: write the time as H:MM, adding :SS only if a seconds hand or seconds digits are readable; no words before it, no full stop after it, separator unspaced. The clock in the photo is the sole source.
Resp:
8:03
